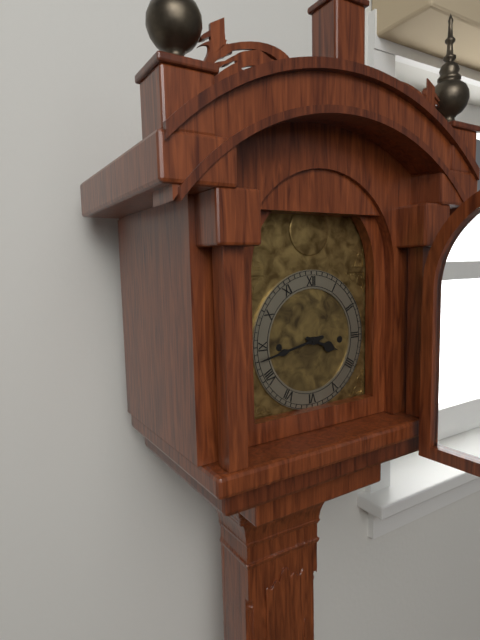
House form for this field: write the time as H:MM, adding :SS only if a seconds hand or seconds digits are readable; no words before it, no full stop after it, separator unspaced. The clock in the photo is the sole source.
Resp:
3:43
